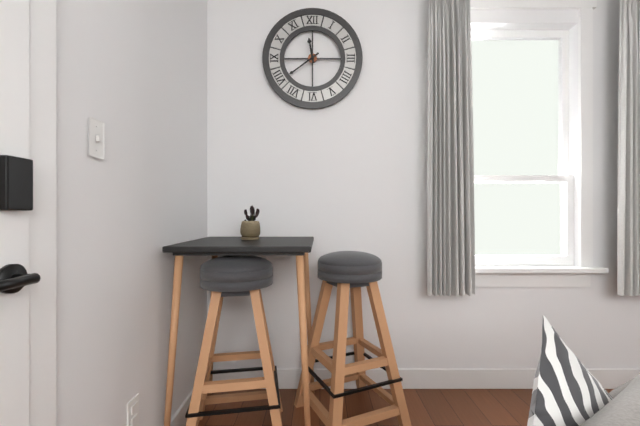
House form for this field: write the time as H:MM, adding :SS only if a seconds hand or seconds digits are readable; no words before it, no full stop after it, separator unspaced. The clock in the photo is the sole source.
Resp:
11:39
